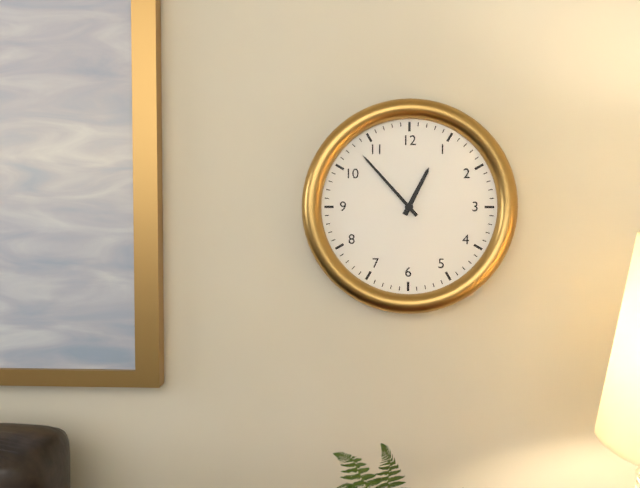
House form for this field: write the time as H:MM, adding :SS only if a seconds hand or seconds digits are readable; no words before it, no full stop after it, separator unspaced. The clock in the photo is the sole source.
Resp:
12:53
